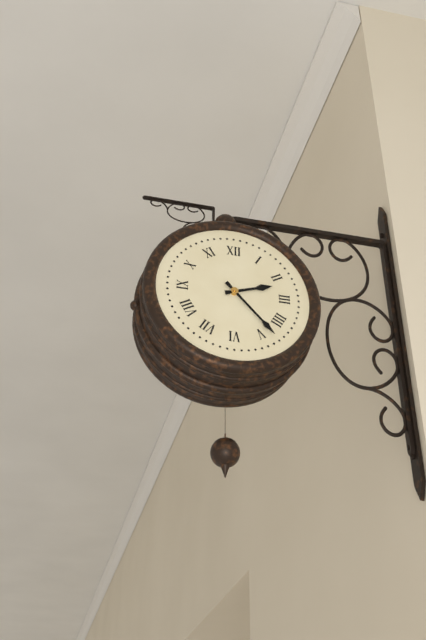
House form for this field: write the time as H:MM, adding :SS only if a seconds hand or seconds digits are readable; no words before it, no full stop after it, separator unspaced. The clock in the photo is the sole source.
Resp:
2:23
